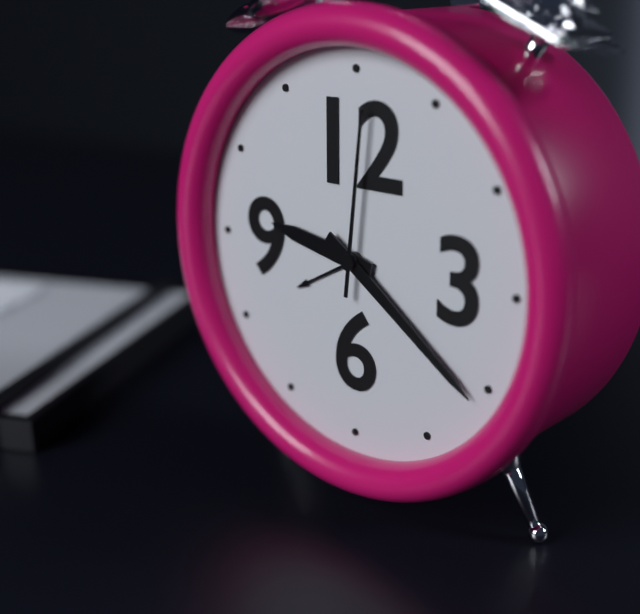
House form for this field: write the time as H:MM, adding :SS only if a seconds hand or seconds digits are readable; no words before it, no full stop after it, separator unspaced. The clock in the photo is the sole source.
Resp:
9:21:01
